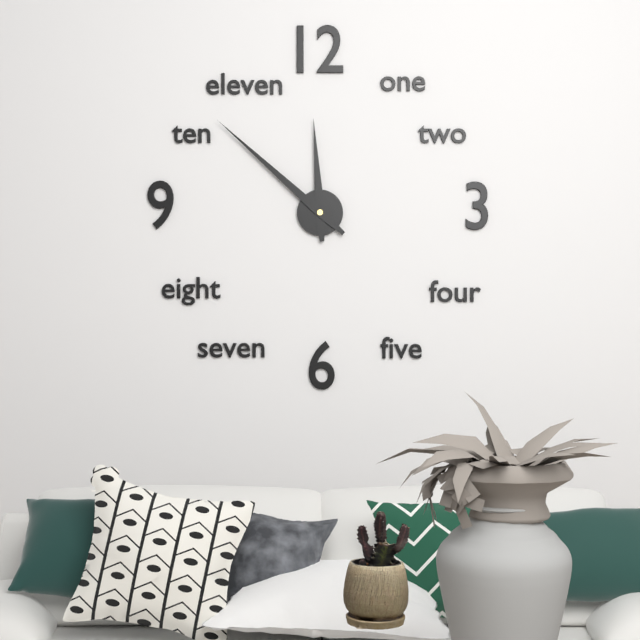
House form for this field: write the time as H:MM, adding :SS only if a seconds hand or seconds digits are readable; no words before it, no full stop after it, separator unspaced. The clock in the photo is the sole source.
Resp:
11:52
